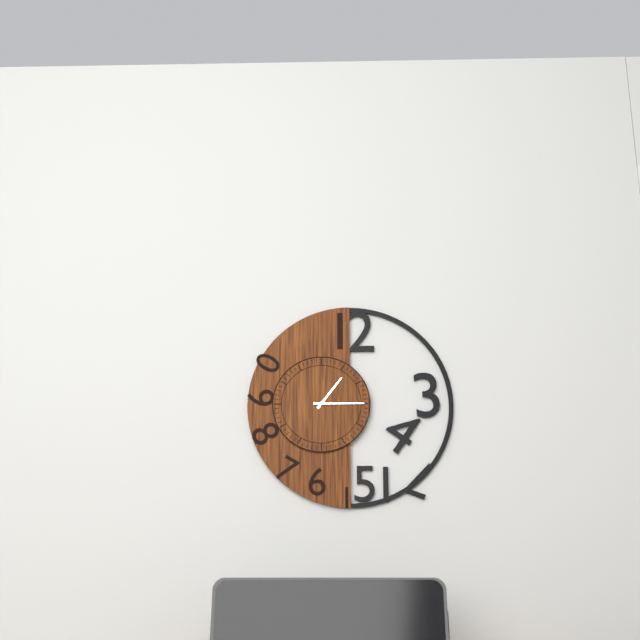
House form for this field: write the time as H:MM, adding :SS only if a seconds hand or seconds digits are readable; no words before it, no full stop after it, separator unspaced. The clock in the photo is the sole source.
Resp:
1:15
